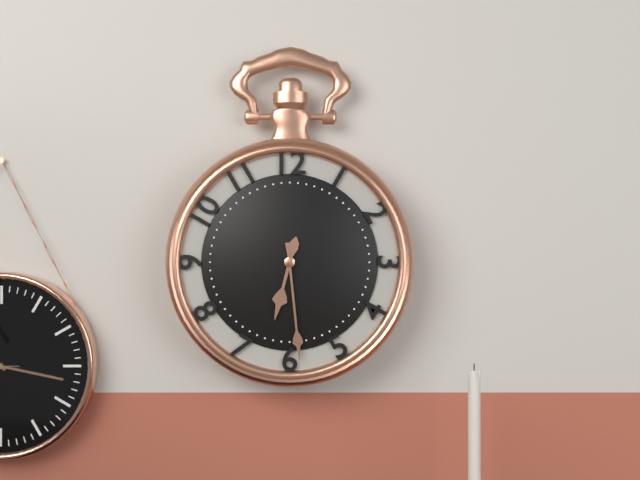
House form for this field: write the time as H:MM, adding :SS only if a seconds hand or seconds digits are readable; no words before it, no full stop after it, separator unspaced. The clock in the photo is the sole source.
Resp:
6:29
